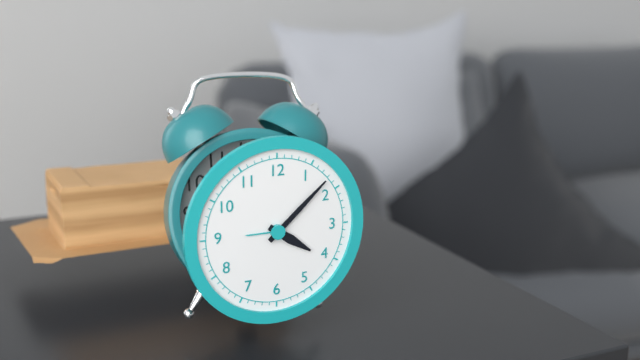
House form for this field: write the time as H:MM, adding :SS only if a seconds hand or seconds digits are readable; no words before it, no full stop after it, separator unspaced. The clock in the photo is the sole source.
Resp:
4:08
